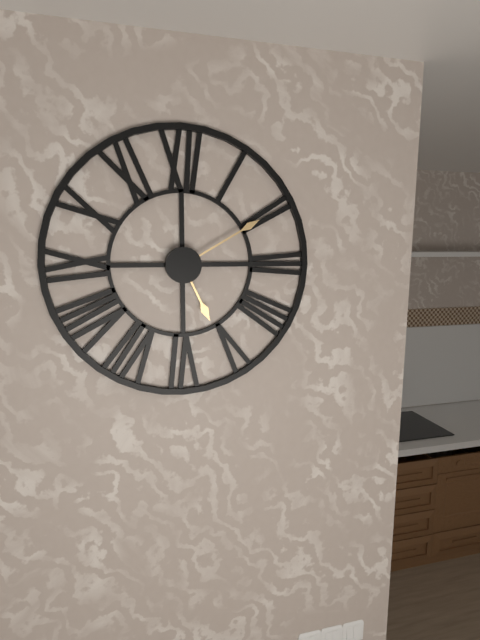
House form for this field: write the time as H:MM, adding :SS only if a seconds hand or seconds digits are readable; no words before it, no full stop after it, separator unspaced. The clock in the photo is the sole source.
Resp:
5:10
